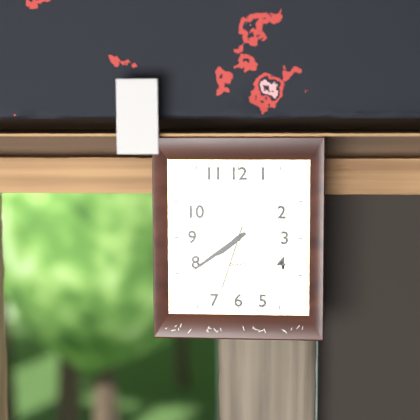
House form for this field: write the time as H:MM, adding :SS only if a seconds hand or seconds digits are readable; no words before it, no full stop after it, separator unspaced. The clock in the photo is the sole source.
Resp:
7:39:33
